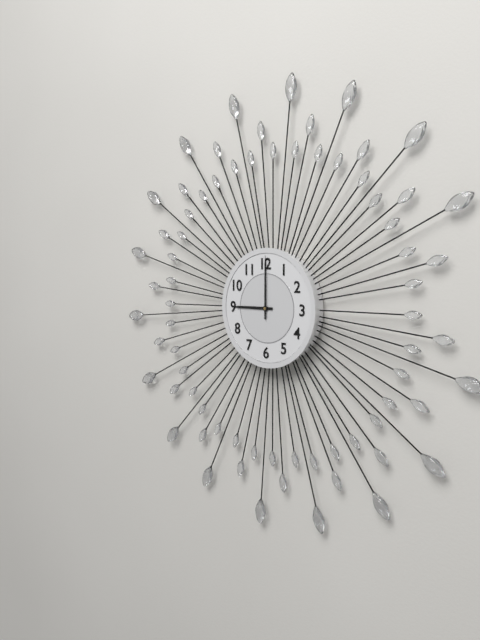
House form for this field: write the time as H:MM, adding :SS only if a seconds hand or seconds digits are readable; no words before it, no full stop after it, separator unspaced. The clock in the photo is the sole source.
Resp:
9:00
